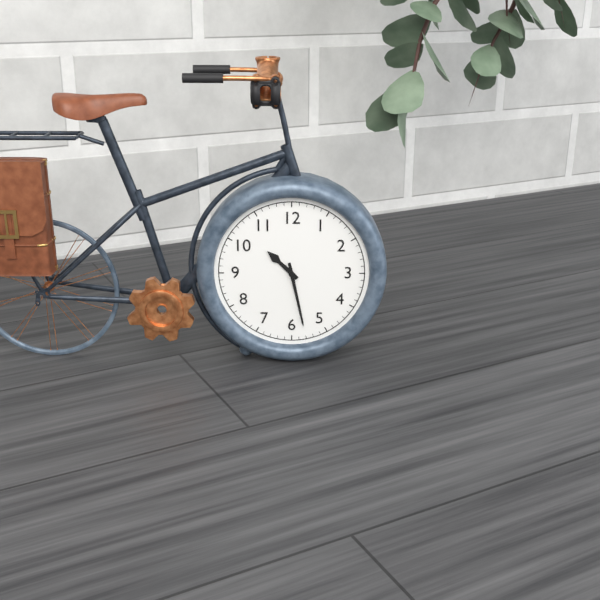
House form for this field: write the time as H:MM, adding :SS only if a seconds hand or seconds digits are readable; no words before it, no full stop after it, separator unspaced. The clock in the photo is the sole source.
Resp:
10:28
